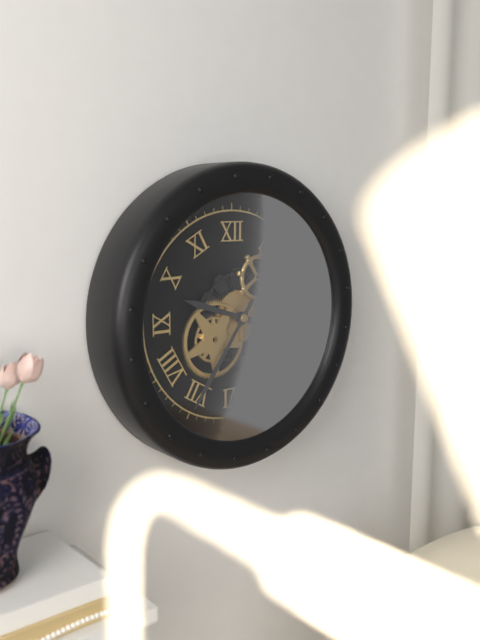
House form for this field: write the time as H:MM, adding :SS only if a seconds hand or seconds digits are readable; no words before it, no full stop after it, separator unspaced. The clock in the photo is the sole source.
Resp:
9:36
